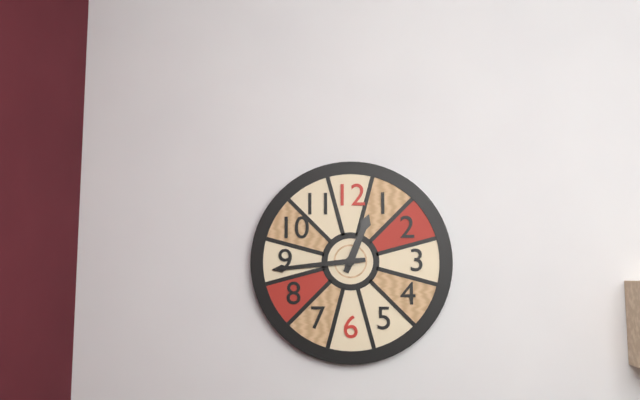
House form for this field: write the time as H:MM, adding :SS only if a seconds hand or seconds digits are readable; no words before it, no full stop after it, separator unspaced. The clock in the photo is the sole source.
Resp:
12:44
